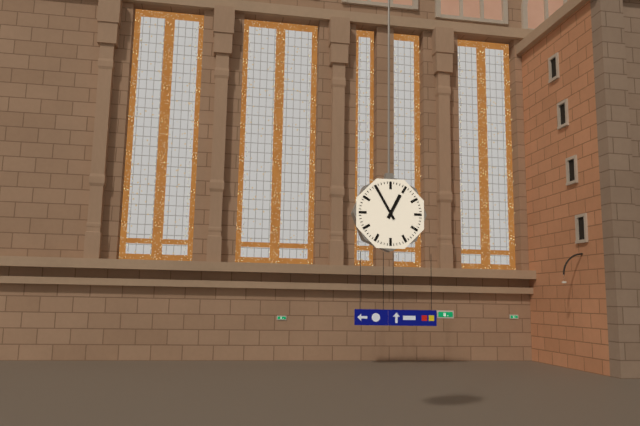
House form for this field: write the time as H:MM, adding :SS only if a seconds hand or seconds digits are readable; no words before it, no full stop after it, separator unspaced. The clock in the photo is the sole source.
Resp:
12:55
